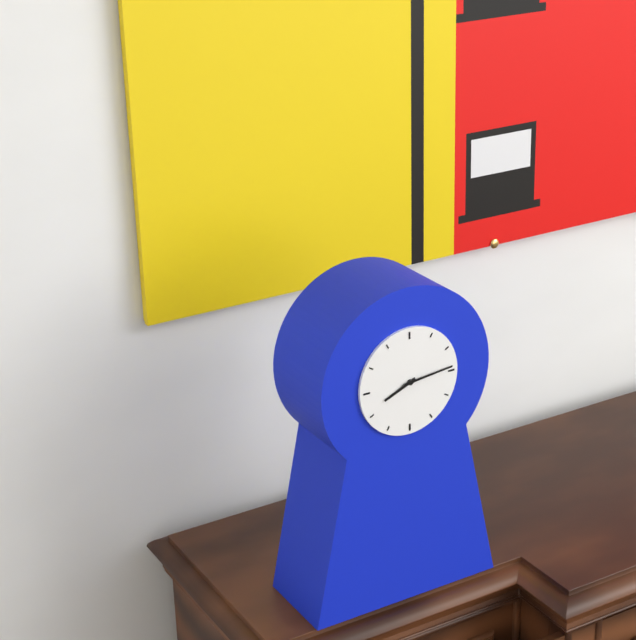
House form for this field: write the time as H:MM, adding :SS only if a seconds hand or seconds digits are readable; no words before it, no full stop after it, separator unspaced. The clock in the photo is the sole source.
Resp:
8:14
